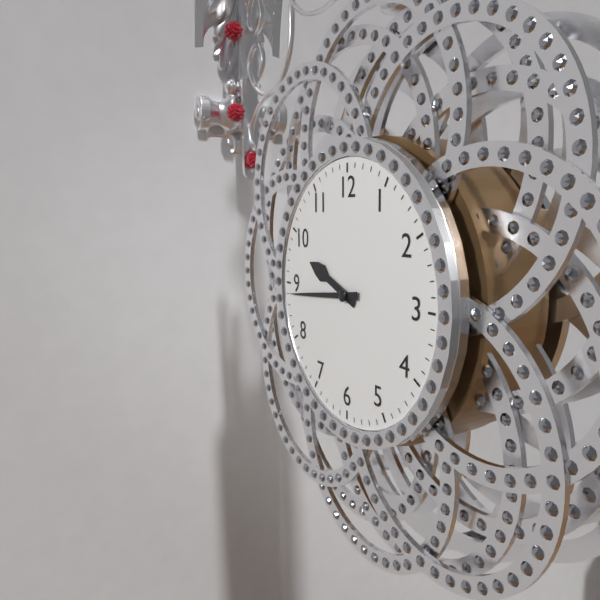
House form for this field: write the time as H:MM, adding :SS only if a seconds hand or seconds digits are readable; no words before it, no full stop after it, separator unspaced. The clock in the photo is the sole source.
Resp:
9:44
